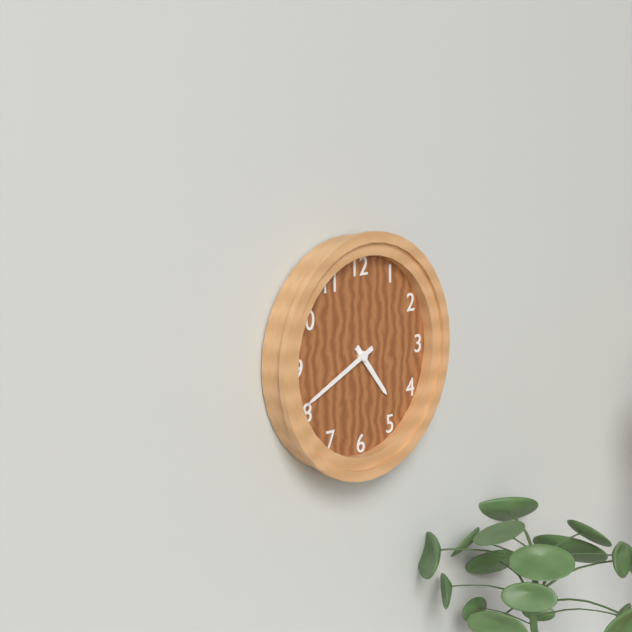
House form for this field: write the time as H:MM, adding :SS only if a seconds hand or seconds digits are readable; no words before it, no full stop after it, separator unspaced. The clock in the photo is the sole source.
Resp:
4:41
